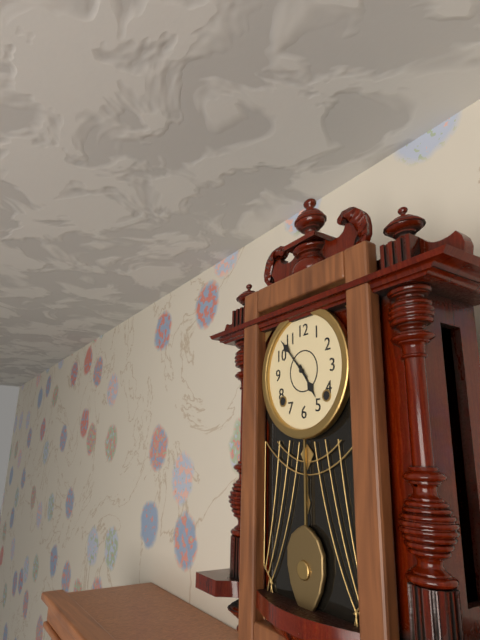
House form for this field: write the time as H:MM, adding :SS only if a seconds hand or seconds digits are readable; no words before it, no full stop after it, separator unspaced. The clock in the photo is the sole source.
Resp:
4:53
